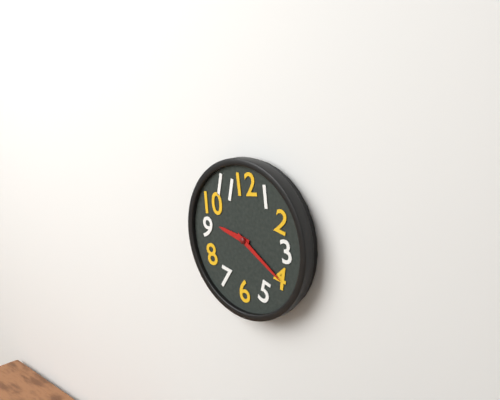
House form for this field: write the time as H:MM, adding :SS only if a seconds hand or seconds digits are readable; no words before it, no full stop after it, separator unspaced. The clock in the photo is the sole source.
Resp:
9:20
